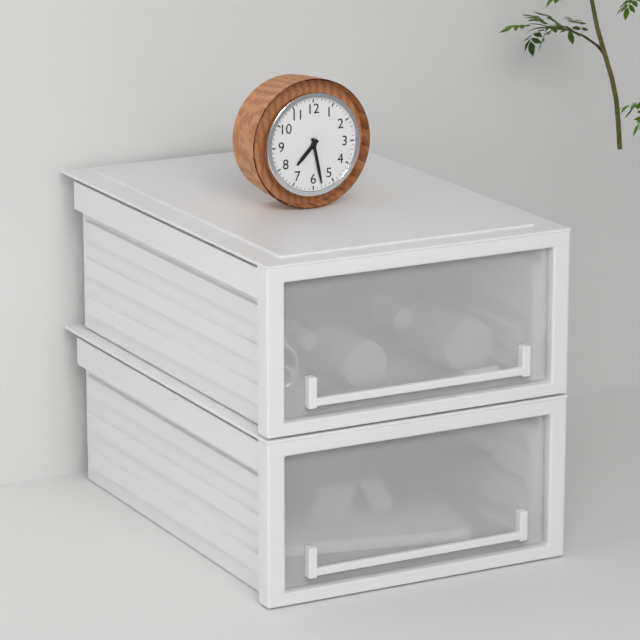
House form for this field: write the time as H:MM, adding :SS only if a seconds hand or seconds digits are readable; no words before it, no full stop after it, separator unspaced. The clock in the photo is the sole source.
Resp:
7:28
